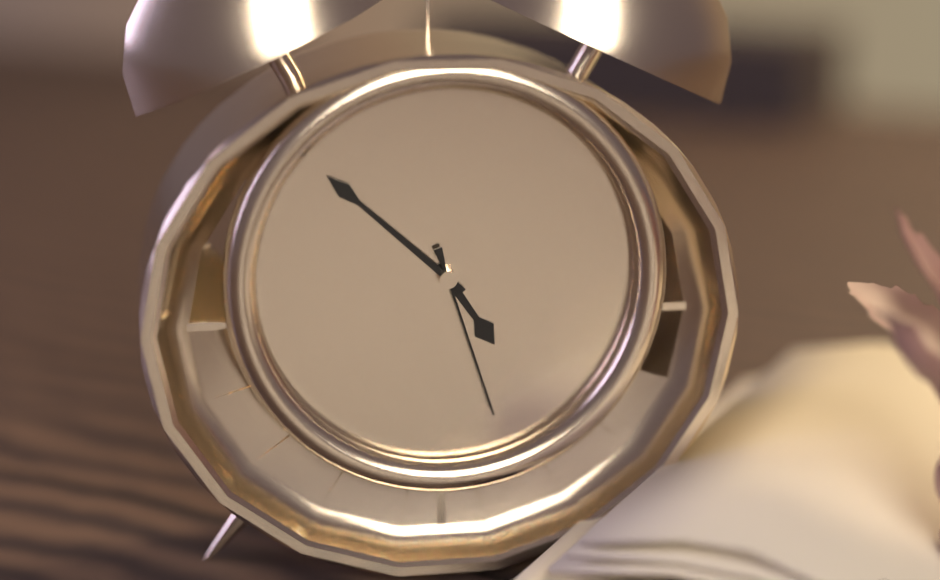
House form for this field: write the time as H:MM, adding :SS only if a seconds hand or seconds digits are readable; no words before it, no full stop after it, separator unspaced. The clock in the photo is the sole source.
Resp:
4:52:27
